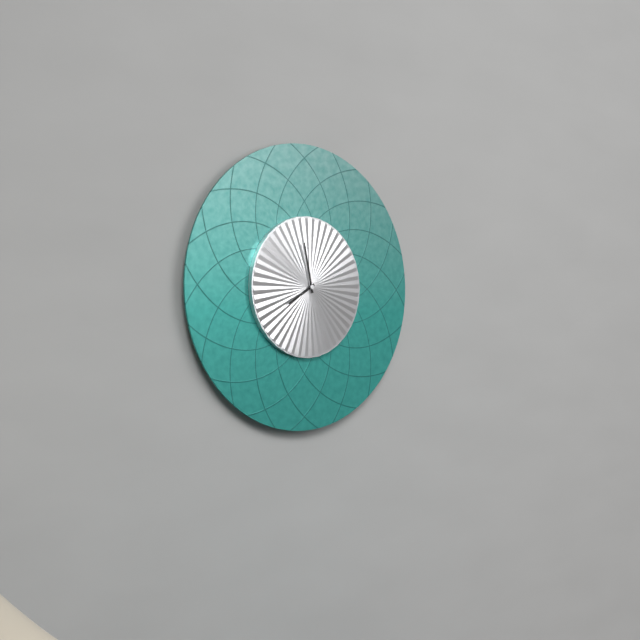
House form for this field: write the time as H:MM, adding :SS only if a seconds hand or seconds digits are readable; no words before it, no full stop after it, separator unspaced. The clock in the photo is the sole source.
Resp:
7:58
